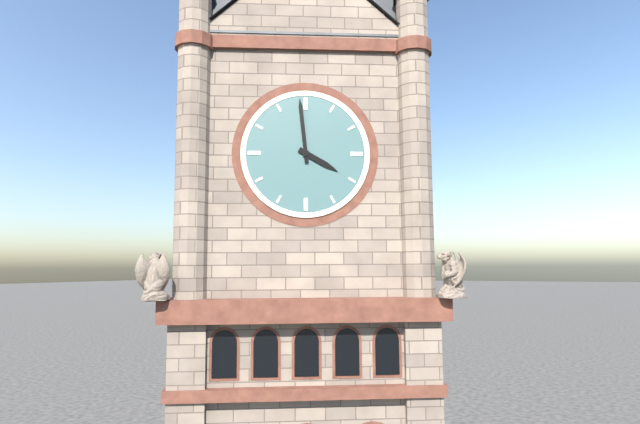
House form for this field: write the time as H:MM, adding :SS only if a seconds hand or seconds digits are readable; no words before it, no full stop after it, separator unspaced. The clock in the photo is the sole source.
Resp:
3:59
